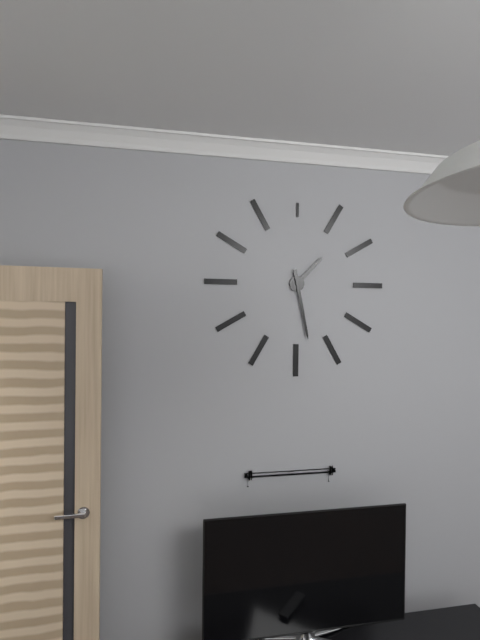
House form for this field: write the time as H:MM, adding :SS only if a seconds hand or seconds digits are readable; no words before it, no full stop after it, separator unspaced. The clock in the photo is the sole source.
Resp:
1:28
